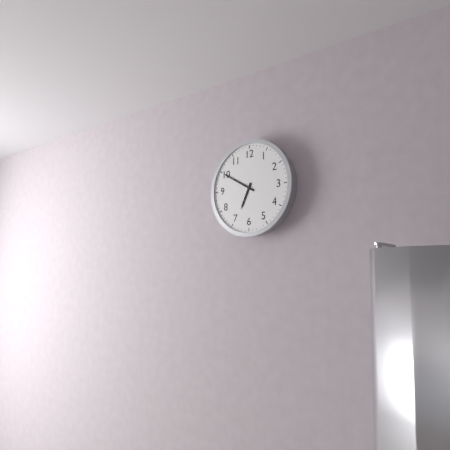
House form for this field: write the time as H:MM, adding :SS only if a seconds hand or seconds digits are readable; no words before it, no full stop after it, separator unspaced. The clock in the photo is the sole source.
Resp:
6:50
